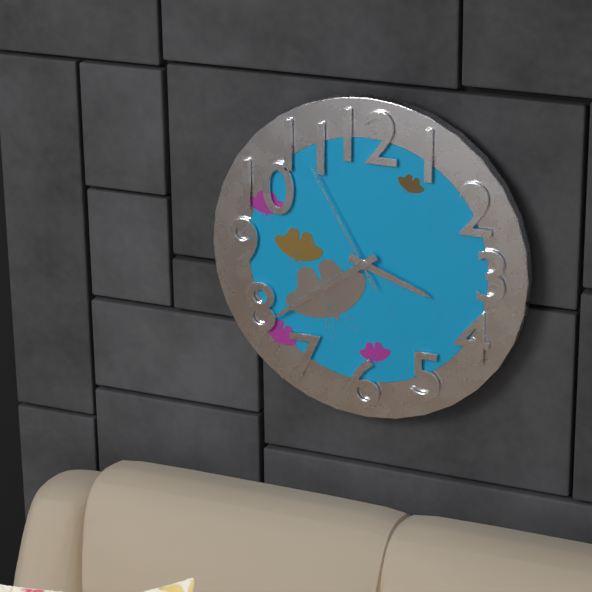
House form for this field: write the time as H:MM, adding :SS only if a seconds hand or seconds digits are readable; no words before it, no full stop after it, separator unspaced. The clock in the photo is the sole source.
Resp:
3:39:55
